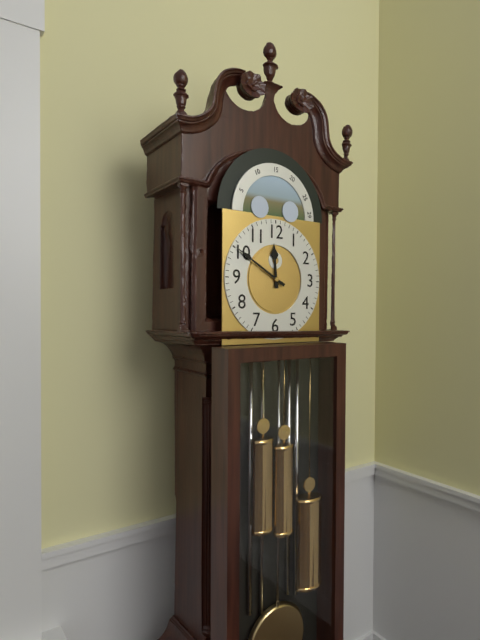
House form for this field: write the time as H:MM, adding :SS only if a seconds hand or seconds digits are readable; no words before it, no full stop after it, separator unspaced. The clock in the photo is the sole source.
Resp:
11:50
